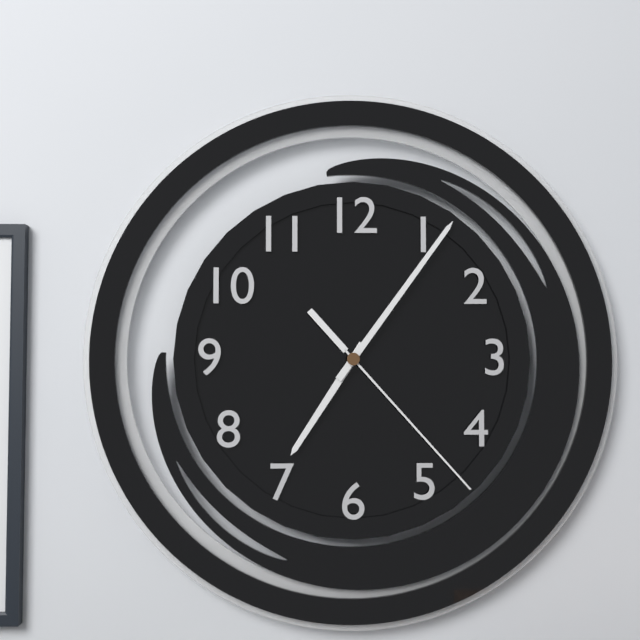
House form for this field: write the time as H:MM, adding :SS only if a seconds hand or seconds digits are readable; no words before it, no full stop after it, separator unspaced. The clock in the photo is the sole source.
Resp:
7:06:23
